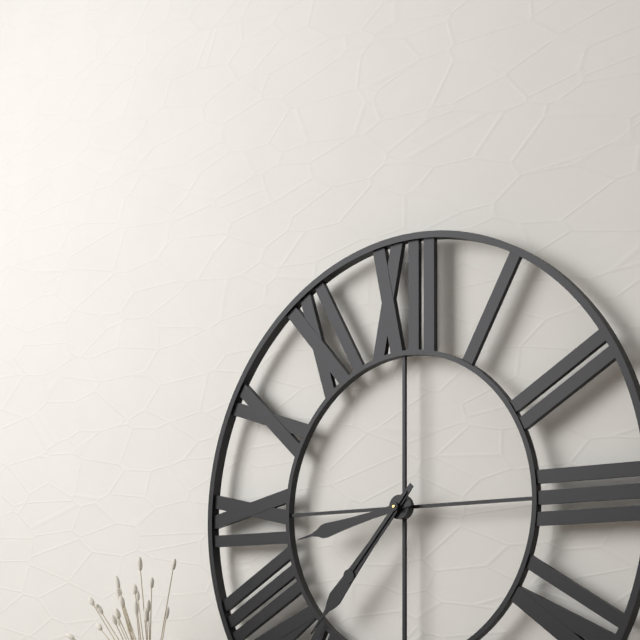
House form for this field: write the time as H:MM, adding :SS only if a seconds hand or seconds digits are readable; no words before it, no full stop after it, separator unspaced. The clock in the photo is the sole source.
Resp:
8:37:37
